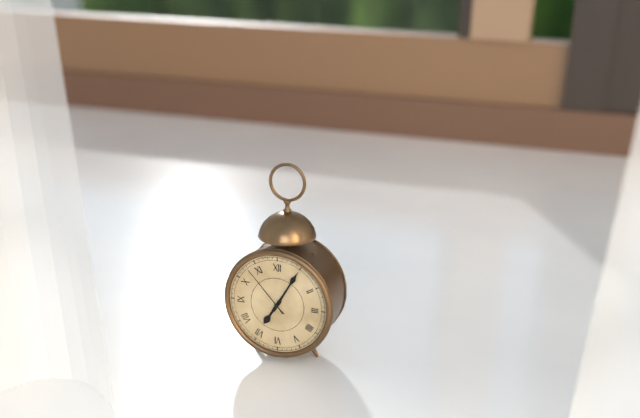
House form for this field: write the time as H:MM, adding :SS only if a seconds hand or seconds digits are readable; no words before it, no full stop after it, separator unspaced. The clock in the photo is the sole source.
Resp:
7:05:53
